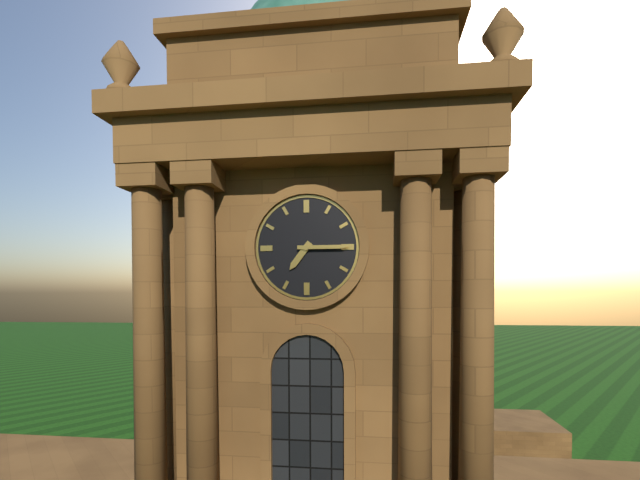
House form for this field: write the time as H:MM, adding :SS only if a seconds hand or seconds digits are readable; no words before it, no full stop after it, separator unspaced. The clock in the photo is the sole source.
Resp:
7:15
